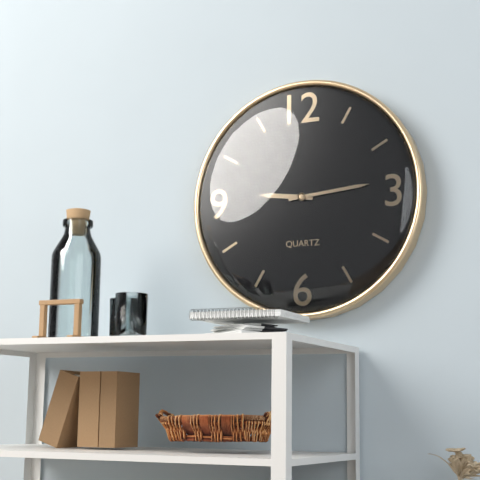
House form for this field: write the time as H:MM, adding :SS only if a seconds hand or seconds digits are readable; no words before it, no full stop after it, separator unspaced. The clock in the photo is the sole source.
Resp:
9:14
